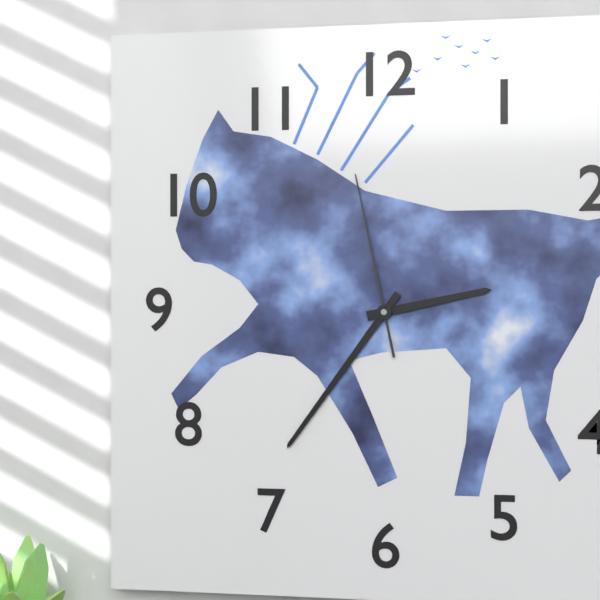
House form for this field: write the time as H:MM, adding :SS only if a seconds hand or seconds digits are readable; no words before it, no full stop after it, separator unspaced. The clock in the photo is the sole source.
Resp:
2:36:58
